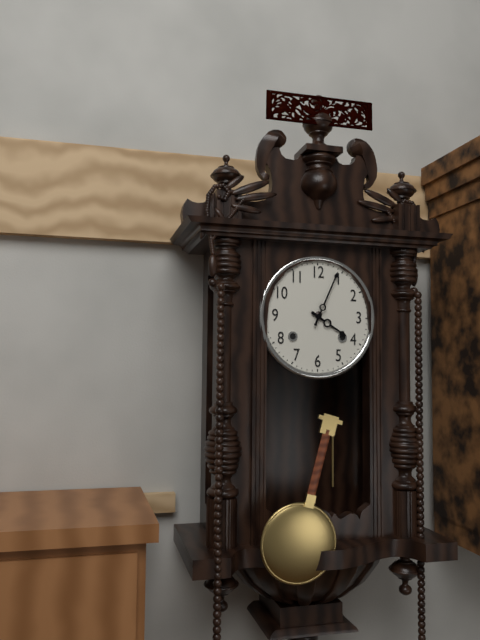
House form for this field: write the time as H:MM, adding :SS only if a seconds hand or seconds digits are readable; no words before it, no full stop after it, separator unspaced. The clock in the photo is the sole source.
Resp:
4:04
